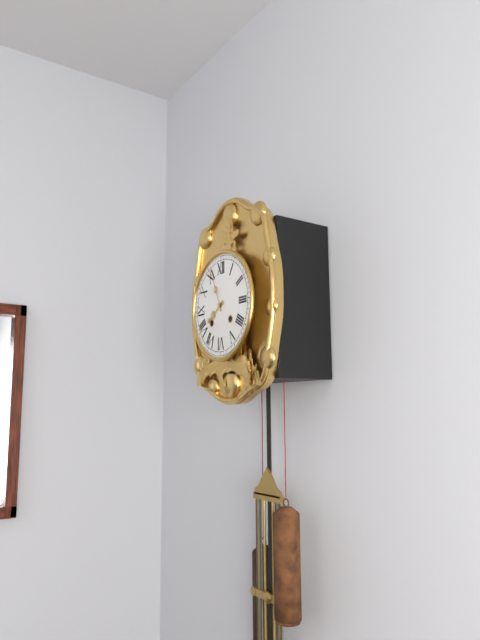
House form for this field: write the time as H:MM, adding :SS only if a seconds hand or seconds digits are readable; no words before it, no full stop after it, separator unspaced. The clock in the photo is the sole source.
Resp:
7:56
